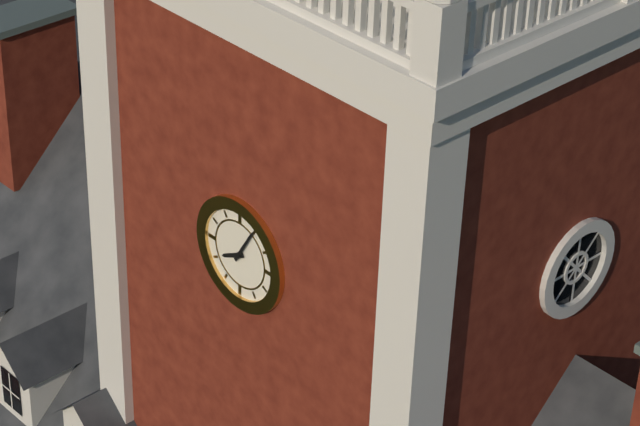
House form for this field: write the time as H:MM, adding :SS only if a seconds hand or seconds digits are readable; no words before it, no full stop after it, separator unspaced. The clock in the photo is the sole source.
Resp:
8:05
